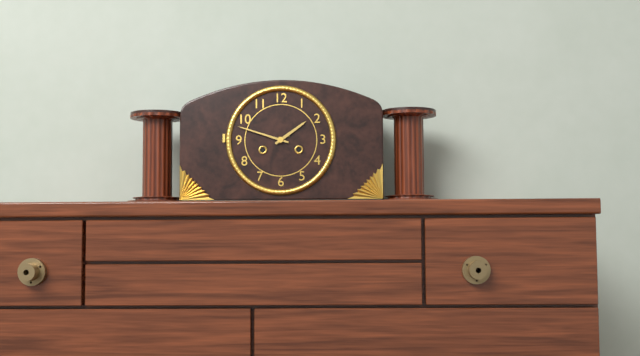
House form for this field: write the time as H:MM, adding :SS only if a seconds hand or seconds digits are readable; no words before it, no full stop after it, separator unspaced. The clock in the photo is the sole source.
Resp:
1:48
